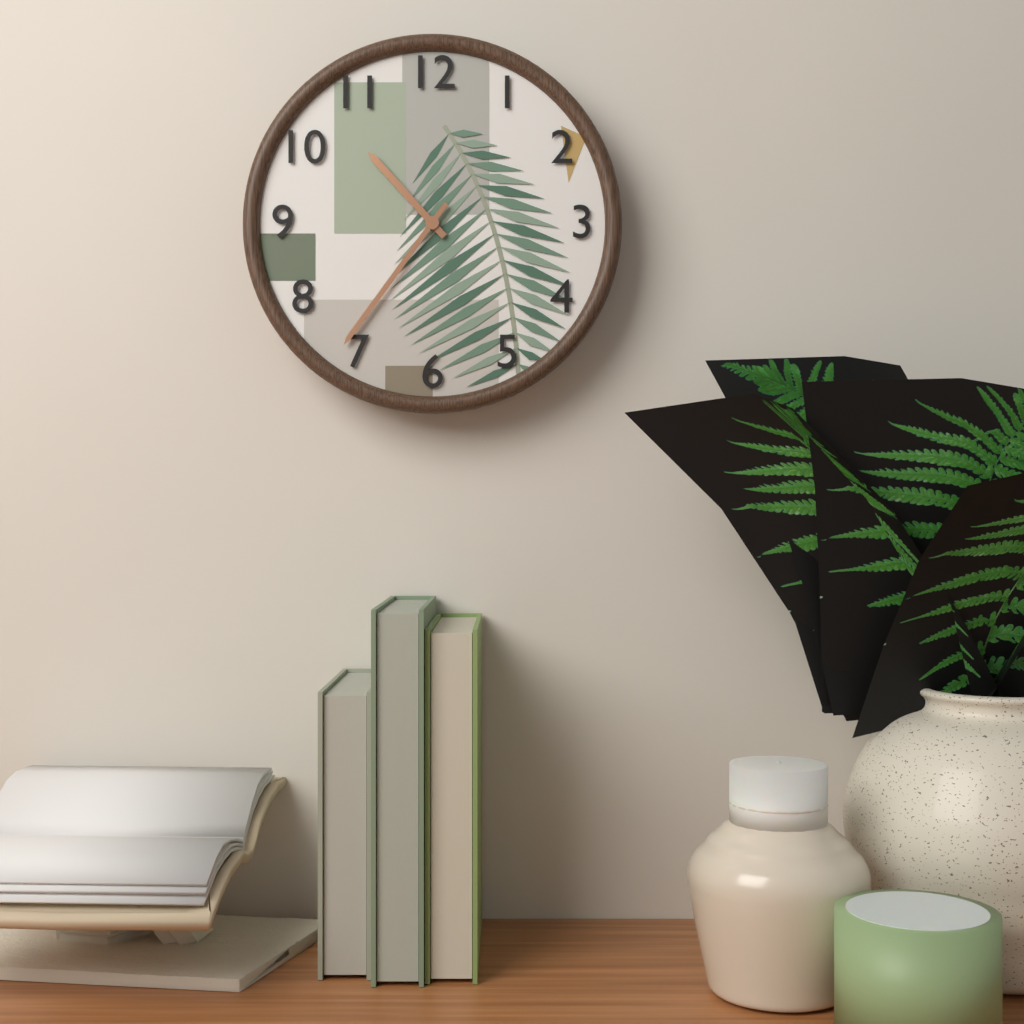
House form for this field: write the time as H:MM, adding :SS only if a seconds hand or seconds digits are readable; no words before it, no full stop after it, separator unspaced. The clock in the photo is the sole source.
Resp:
10:36
